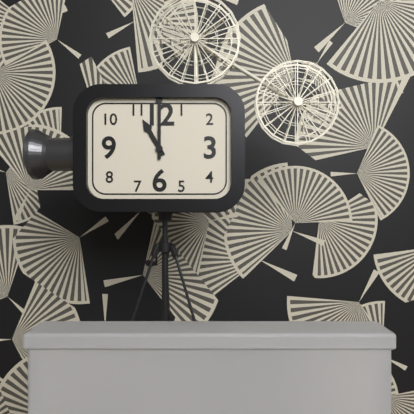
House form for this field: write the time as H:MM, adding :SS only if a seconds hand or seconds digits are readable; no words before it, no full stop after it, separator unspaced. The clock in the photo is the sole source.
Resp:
11:00
